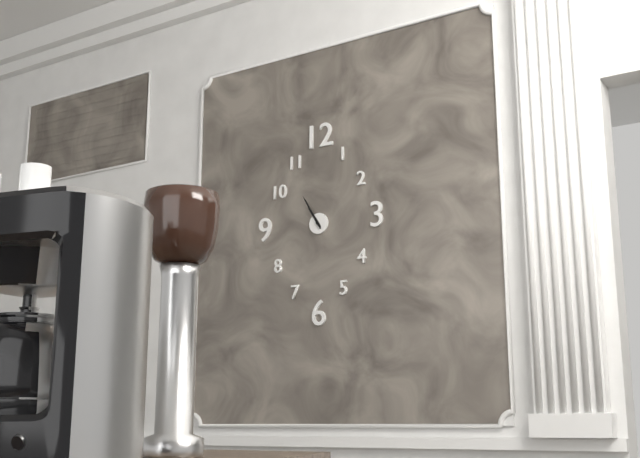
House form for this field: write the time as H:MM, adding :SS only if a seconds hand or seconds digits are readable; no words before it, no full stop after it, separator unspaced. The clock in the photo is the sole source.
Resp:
10:55
